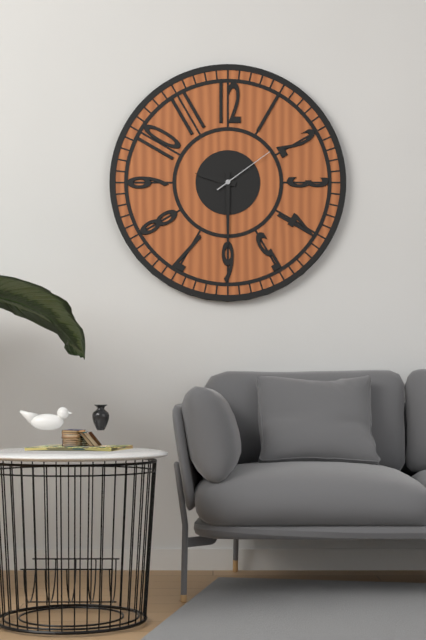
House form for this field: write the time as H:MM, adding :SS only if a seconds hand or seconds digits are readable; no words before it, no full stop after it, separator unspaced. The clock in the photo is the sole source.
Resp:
9:30:09
